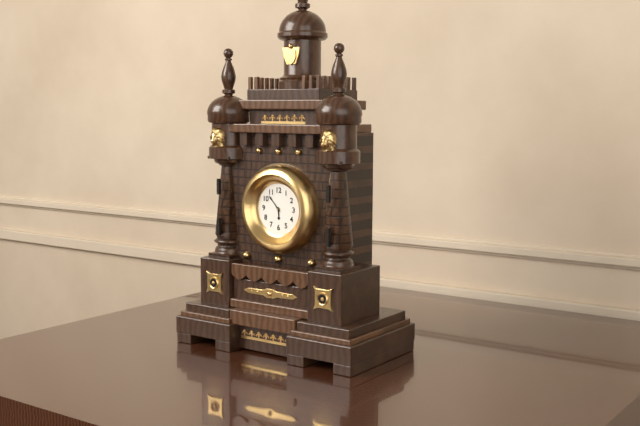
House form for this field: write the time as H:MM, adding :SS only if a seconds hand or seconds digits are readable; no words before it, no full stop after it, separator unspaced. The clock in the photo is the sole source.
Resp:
5:53
